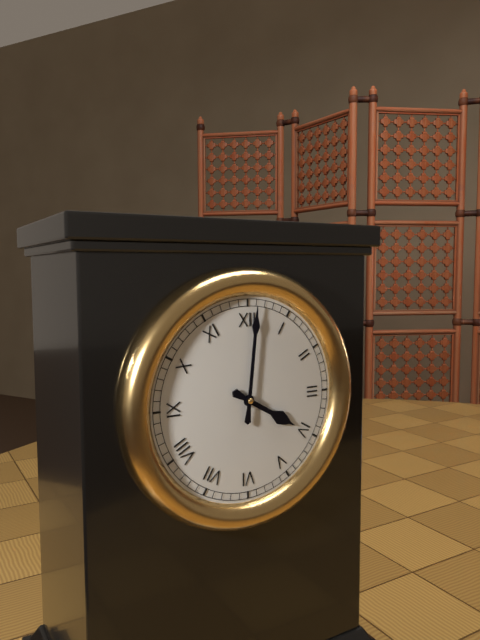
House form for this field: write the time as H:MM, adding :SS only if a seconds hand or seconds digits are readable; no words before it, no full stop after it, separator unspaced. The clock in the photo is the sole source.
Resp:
4:01
